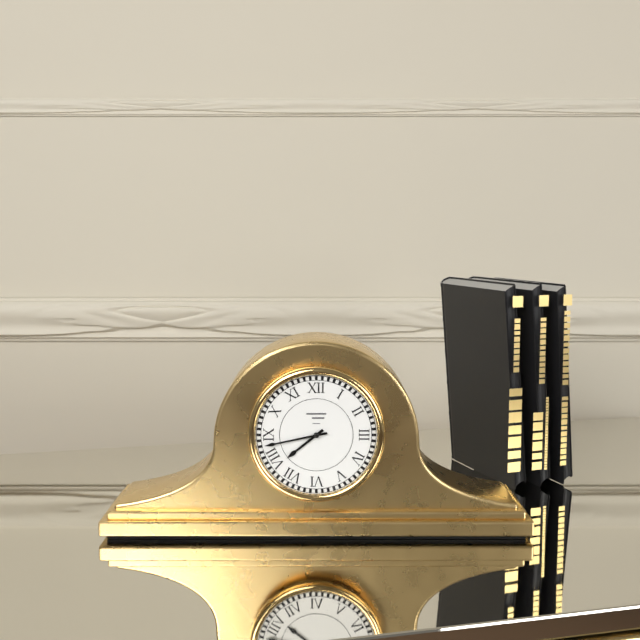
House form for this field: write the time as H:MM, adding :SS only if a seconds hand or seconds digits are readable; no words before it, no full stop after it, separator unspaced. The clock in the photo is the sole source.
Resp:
7:43
